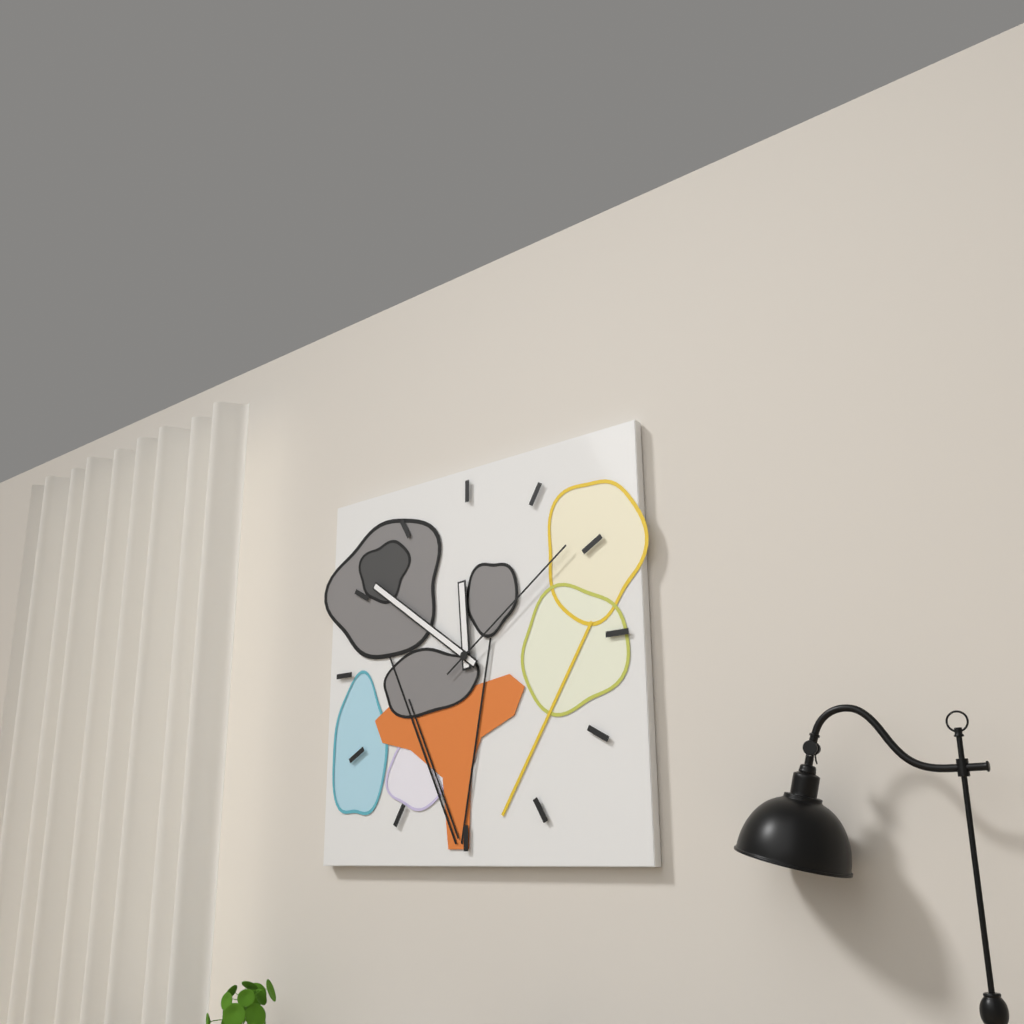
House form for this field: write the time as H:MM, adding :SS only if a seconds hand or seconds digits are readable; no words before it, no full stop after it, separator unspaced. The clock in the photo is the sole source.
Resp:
11:51:09
